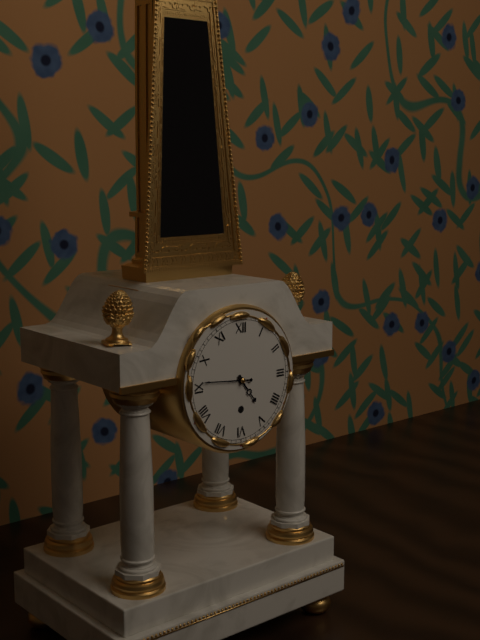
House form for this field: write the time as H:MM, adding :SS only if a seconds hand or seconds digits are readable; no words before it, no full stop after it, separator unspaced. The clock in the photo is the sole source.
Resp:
4:46
